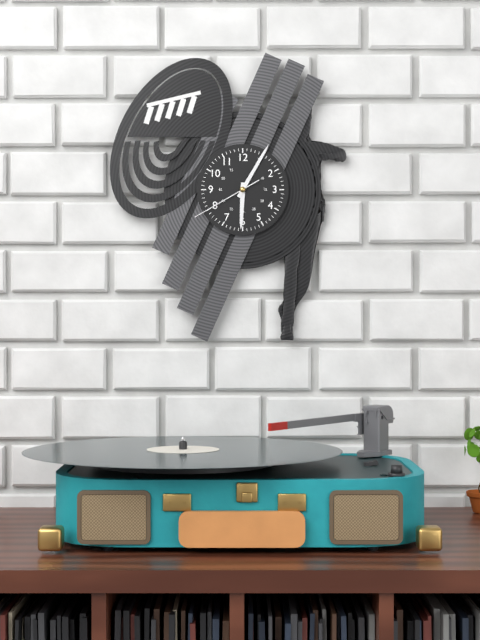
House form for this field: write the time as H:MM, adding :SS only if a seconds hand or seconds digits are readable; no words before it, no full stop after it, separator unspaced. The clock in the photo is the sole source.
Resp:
6:05:40
